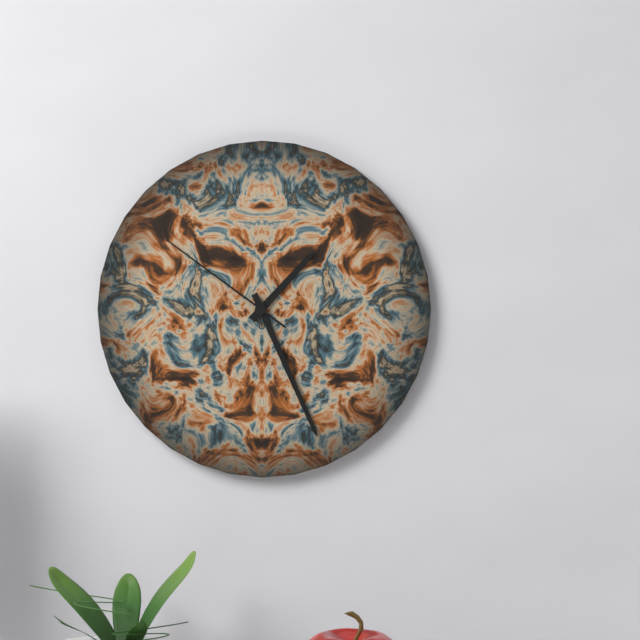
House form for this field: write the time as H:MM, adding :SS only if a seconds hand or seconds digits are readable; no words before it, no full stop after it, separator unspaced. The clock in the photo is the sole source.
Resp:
1:26:51
